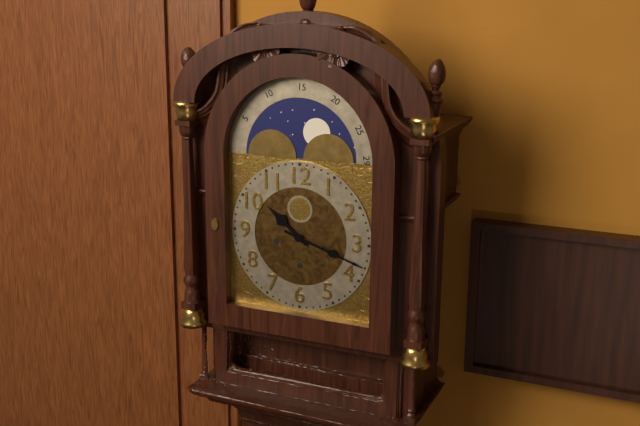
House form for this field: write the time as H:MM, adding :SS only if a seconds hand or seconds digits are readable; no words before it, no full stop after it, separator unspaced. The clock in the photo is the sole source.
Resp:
10:18
